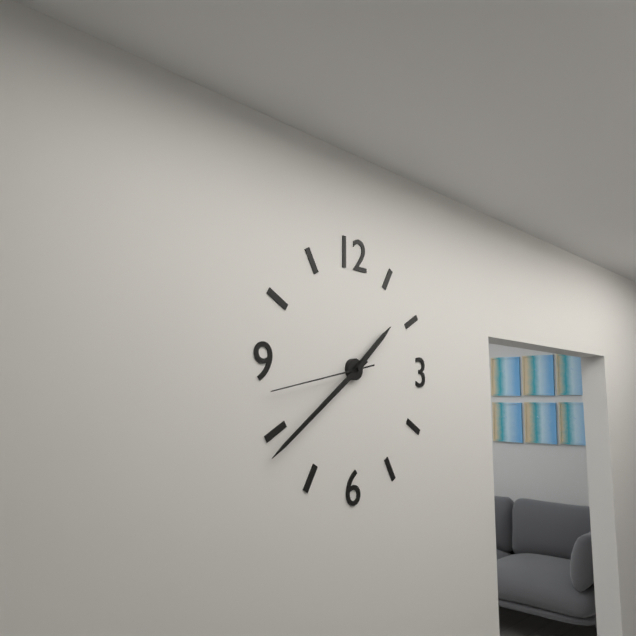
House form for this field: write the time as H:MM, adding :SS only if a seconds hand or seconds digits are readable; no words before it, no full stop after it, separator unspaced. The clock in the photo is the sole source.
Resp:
1:39:43
